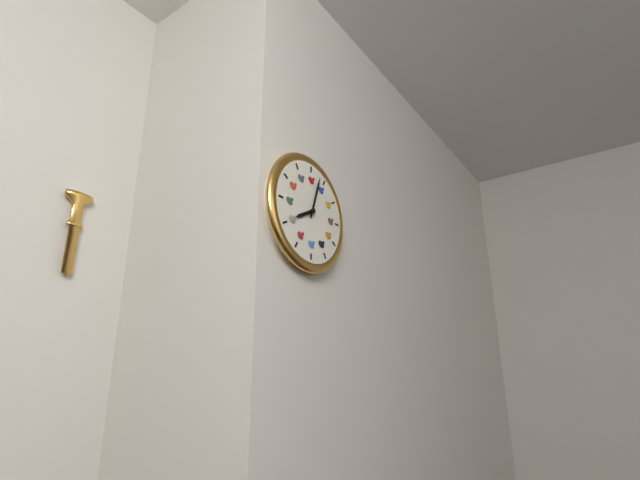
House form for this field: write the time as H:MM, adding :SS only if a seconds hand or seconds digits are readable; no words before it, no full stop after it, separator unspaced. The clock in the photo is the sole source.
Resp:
8:03
